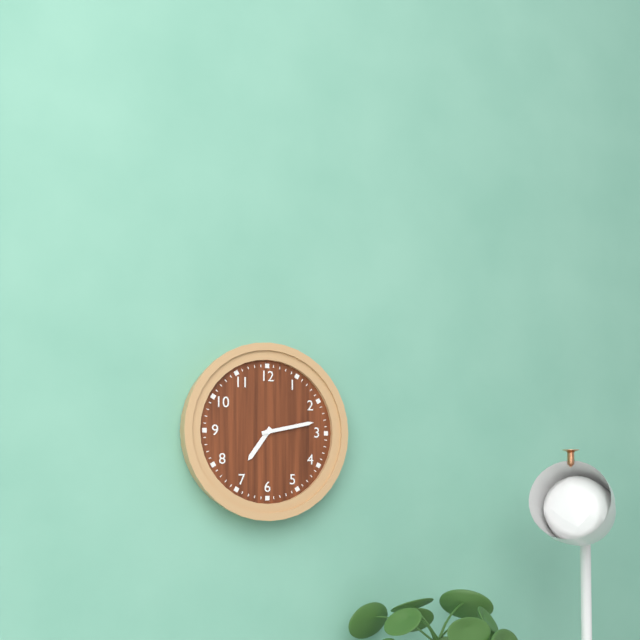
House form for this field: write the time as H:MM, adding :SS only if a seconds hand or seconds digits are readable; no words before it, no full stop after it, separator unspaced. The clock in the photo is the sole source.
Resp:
7:13
